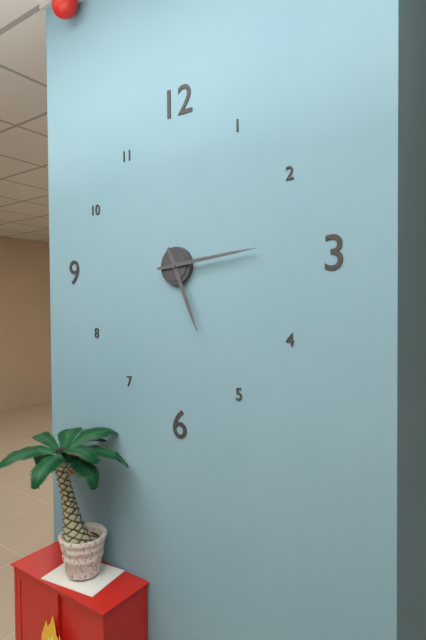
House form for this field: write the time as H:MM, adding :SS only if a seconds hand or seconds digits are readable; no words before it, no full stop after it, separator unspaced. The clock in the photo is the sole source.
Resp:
5:14
